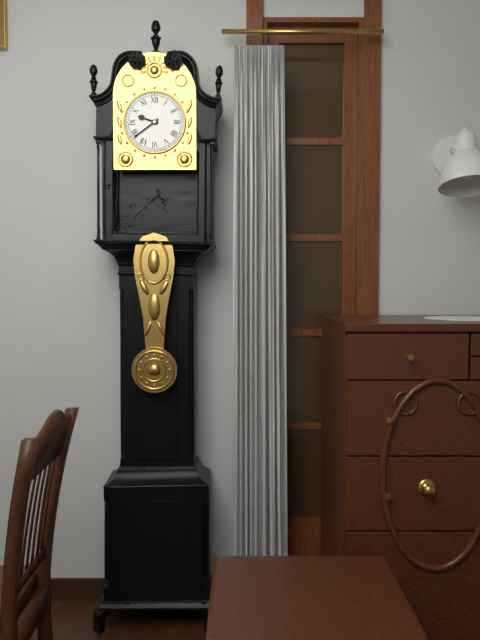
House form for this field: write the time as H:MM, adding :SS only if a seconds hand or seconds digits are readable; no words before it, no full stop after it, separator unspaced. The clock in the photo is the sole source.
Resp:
9:39
